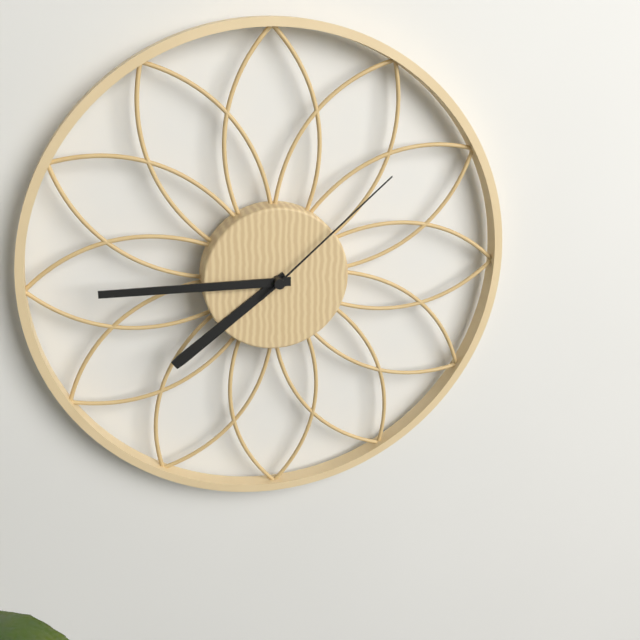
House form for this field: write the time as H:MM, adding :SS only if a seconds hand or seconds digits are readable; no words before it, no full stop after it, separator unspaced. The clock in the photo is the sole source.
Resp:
7:45:08
